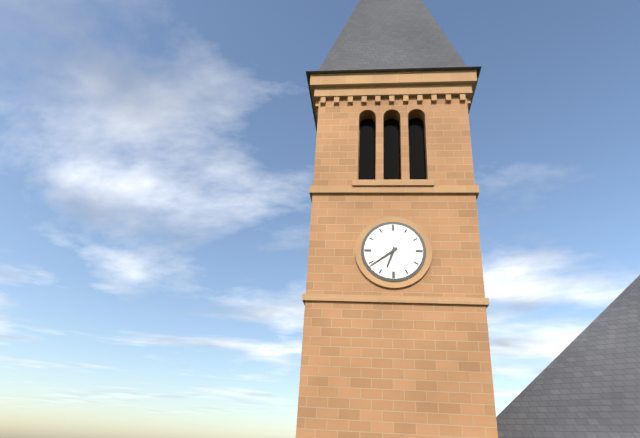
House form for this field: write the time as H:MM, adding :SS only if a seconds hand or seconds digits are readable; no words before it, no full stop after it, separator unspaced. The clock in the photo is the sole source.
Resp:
6:39
